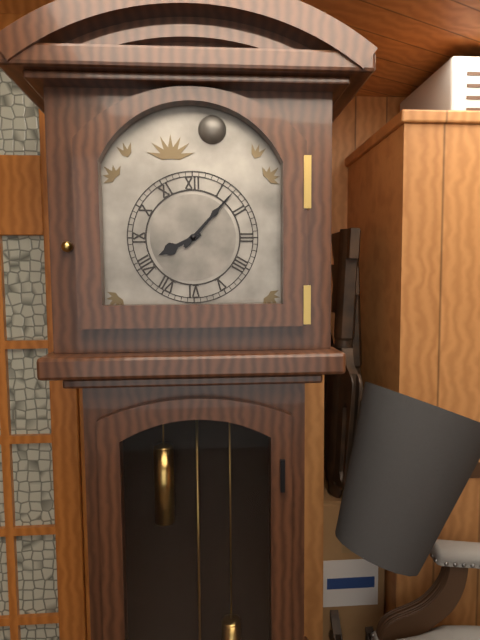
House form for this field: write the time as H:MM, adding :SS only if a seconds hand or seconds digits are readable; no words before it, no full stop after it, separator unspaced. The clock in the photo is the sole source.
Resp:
8:07
